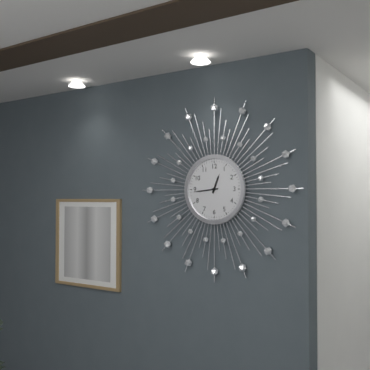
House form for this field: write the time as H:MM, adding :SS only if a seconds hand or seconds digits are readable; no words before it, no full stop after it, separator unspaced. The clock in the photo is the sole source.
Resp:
12:44
